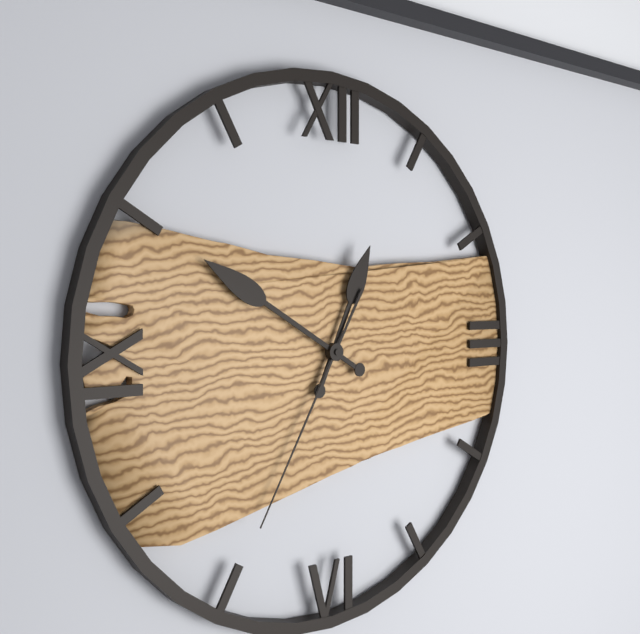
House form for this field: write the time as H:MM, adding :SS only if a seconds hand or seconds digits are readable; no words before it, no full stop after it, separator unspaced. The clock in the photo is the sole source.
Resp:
12:50:35
